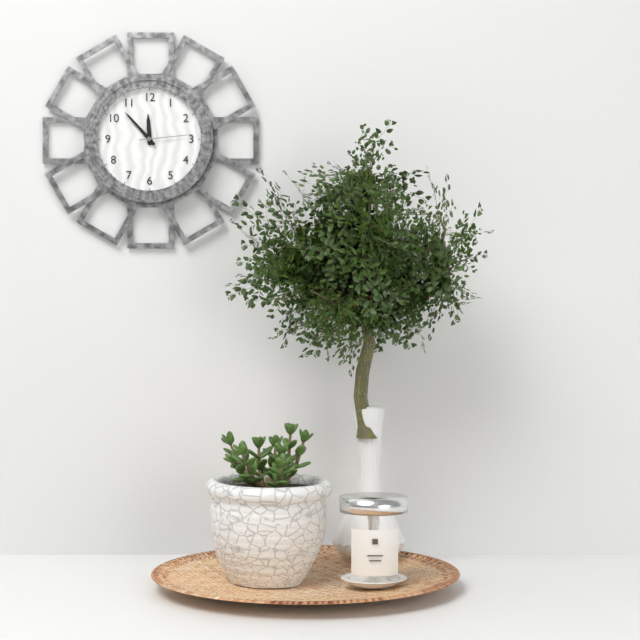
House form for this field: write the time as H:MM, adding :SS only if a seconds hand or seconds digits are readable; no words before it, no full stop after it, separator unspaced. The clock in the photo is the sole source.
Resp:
11:53:14
